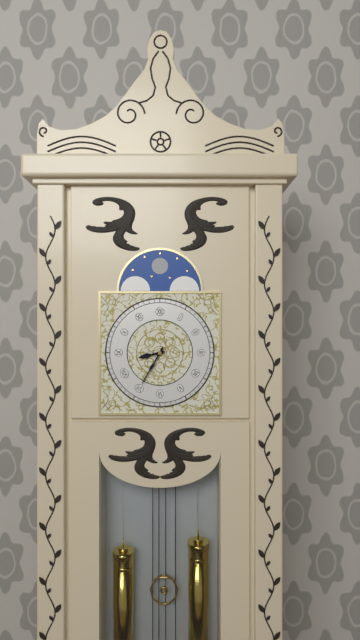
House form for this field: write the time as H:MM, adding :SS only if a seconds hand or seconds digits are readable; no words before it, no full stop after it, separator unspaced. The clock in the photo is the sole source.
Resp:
8:35
